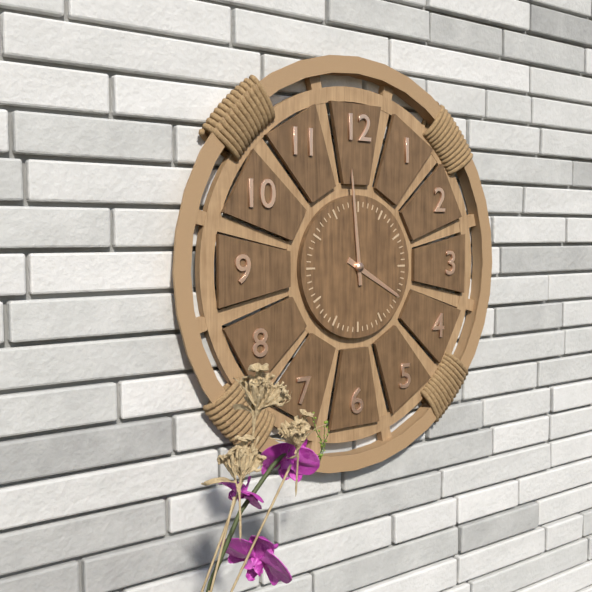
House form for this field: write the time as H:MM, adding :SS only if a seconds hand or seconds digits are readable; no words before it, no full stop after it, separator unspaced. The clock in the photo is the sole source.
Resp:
3:59
